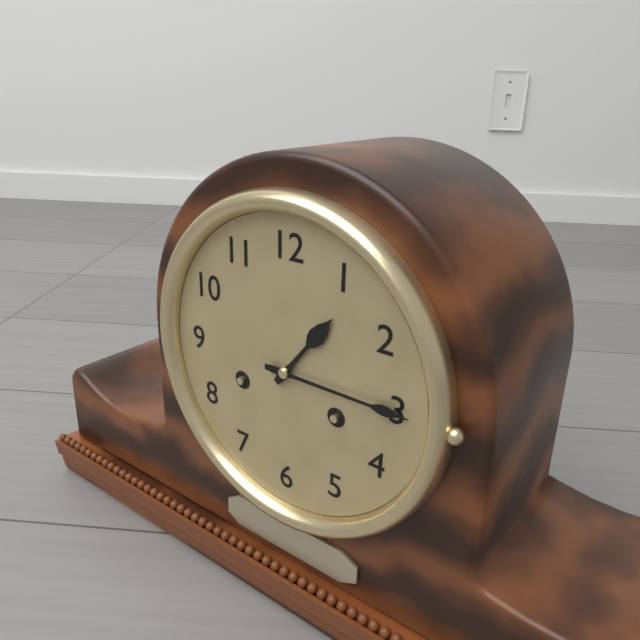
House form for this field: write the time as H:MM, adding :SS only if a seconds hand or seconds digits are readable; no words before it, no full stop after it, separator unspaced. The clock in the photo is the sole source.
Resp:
1:15
